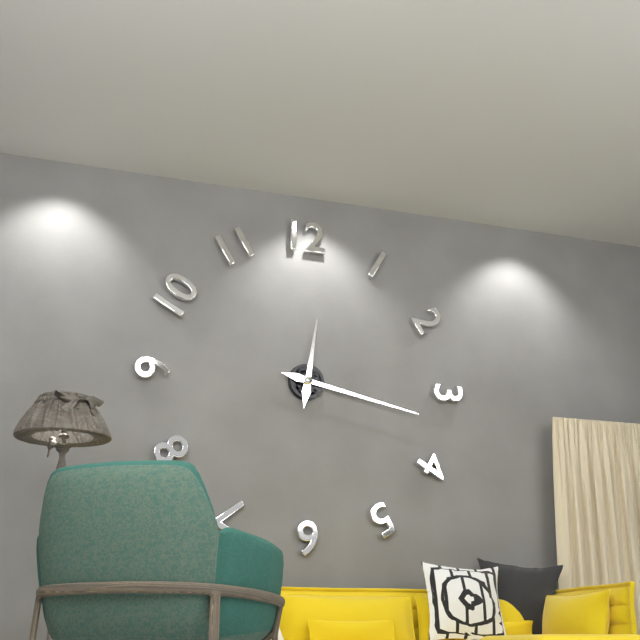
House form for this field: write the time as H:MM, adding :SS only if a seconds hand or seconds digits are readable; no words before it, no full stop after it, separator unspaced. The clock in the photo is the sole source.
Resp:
12:17
